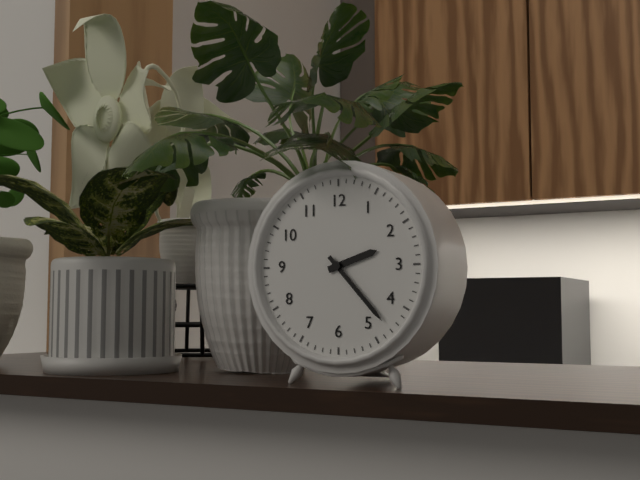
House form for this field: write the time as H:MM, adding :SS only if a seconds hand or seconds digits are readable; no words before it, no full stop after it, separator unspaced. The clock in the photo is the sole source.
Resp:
2:23
